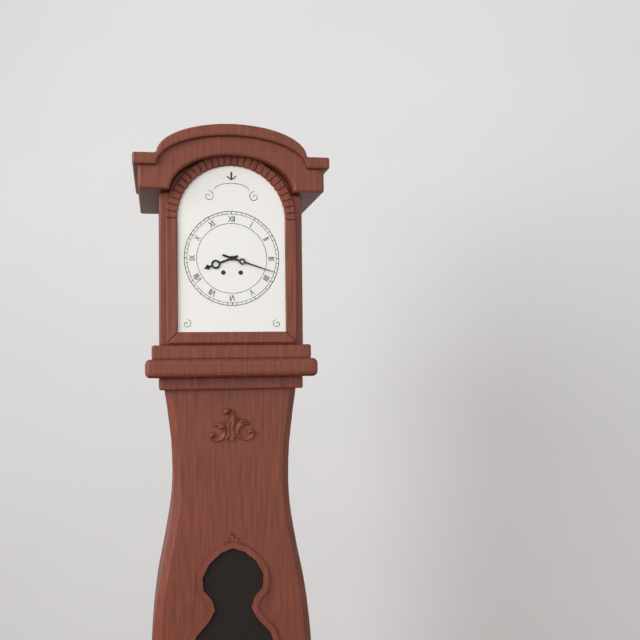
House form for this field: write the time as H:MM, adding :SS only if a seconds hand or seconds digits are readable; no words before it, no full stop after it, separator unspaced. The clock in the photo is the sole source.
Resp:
8:18
